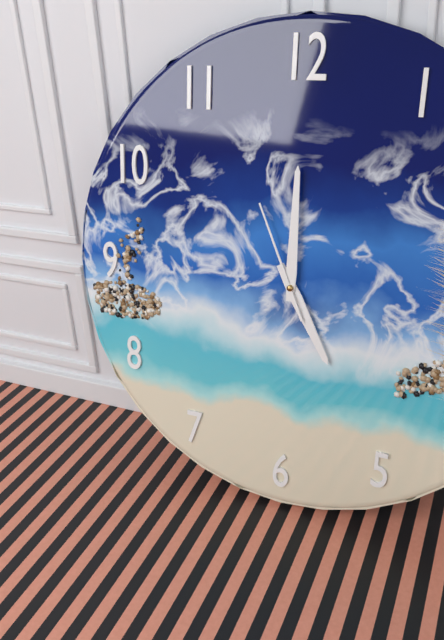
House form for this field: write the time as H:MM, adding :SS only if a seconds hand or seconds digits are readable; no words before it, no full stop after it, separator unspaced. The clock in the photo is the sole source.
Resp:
5:00:56
